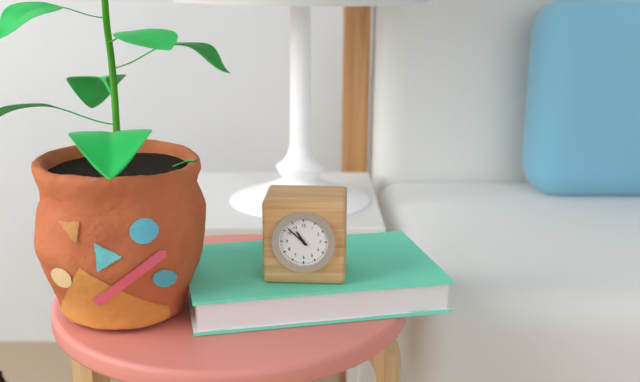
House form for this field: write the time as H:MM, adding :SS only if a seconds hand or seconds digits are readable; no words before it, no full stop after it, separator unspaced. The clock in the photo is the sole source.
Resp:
10:52
